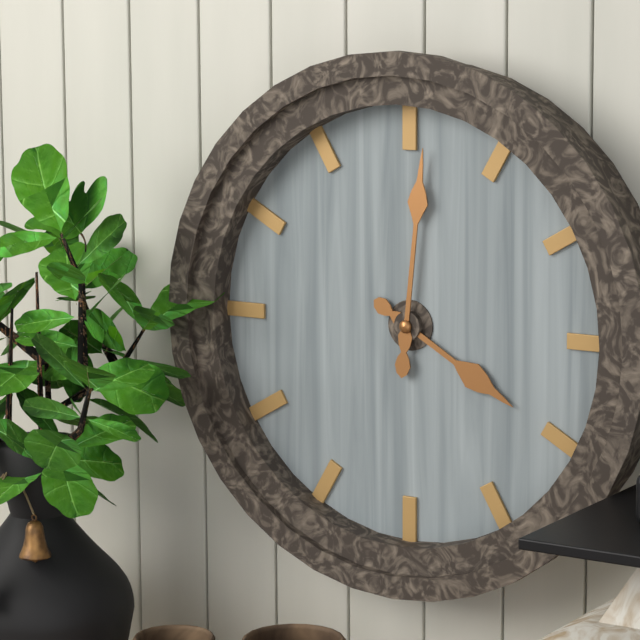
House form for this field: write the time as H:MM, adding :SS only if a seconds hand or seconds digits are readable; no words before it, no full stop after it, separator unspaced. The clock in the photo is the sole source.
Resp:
4:01
